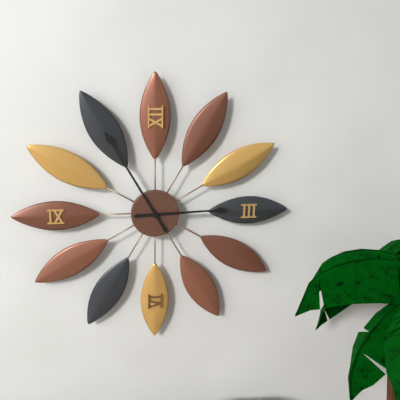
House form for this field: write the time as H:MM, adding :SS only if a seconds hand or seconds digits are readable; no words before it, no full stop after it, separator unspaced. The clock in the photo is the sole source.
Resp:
2:55
